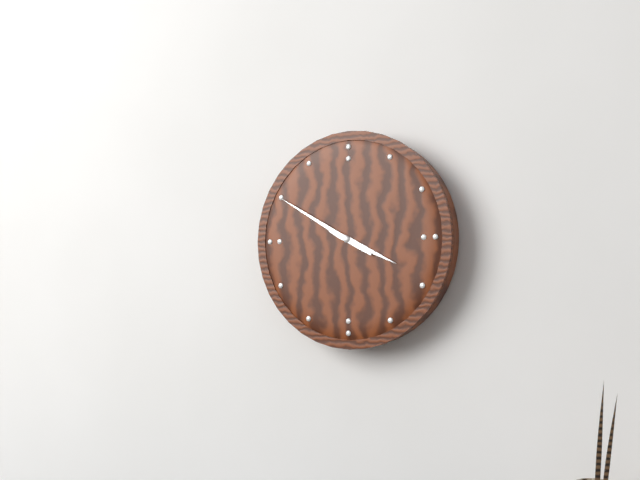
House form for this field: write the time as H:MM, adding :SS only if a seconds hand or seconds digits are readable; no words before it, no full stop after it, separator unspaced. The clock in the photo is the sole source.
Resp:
3:50
